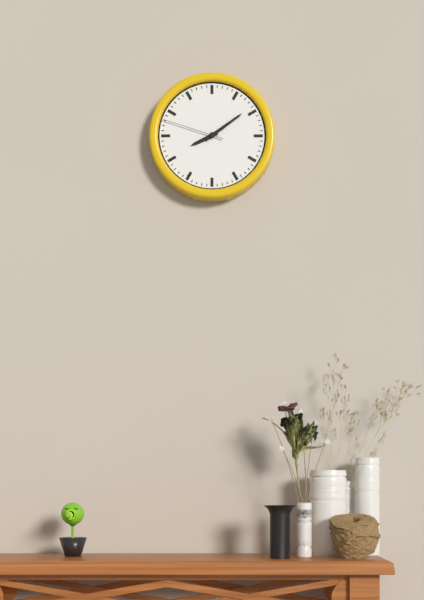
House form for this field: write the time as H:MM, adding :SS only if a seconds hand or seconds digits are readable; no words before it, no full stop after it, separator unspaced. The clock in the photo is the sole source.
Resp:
8:09:48
